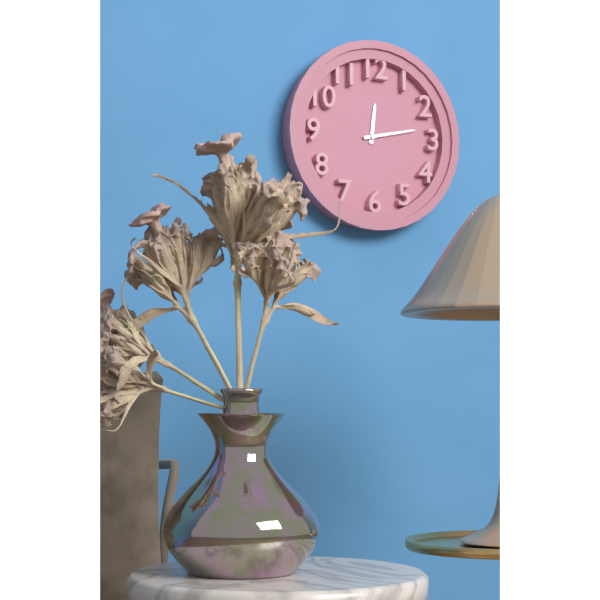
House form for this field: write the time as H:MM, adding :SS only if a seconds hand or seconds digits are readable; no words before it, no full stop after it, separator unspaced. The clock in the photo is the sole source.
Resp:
12:13
